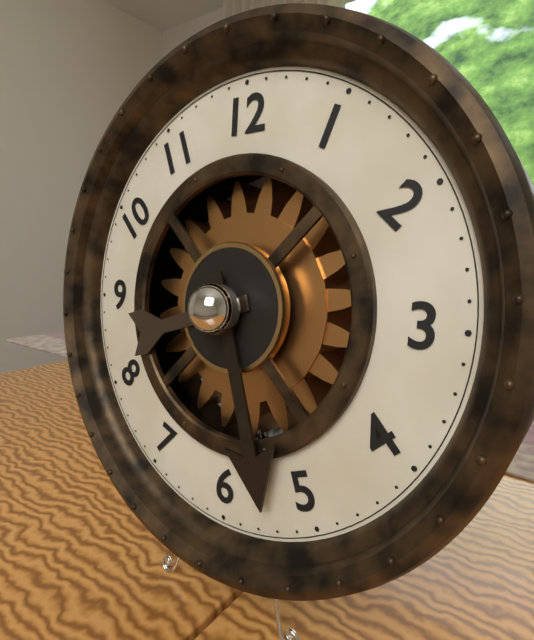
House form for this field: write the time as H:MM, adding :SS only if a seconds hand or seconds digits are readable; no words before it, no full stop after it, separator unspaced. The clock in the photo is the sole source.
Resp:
8:27
